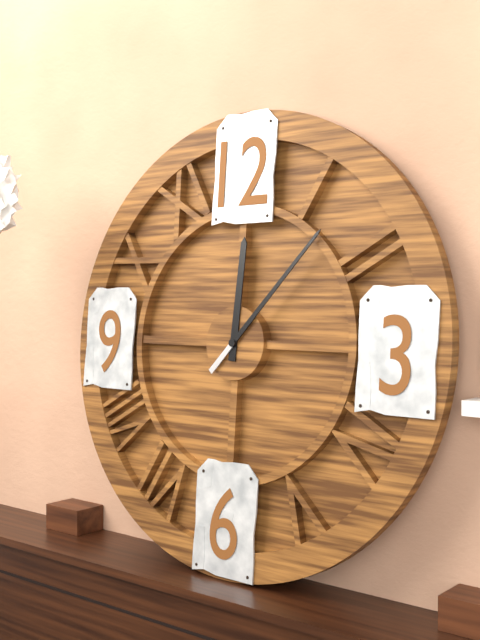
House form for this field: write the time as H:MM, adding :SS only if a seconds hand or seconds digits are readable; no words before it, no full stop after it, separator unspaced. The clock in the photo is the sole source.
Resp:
12:07
